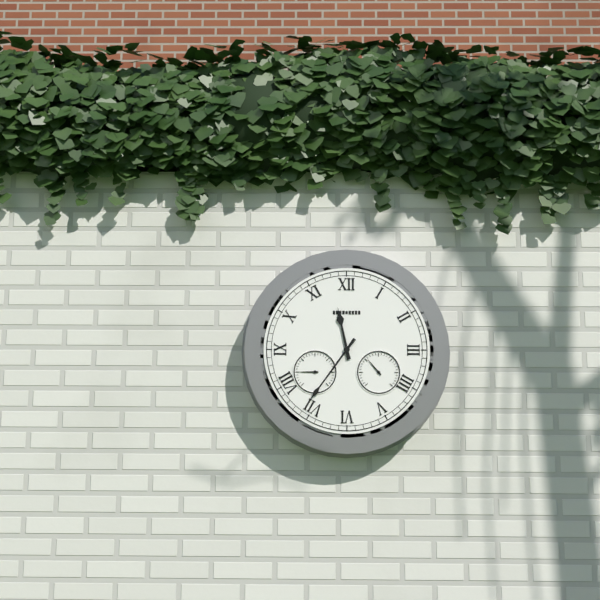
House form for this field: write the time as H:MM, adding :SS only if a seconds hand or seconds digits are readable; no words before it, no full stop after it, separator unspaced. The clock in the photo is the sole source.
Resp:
11:36
